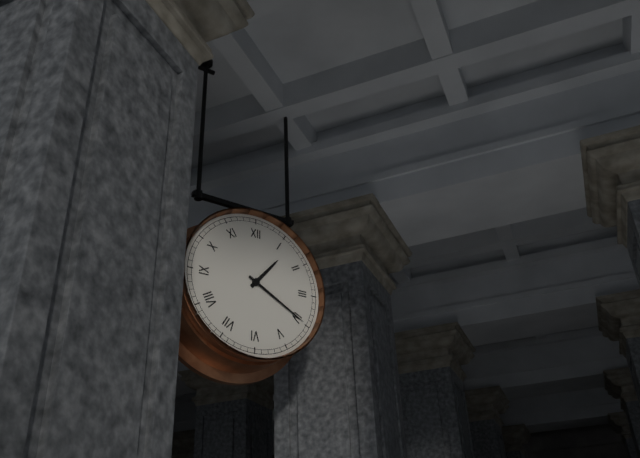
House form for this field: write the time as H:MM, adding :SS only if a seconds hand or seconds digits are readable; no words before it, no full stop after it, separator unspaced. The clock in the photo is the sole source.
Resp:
1:20
